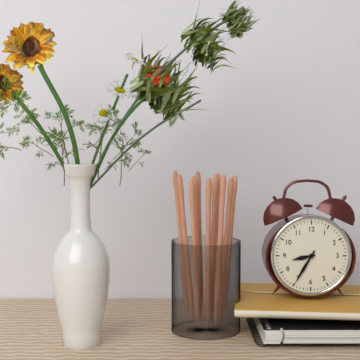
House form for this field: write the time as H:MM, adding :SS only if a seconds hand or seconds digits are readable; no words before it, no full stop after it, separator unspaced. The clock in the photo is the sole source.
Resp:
8:35
